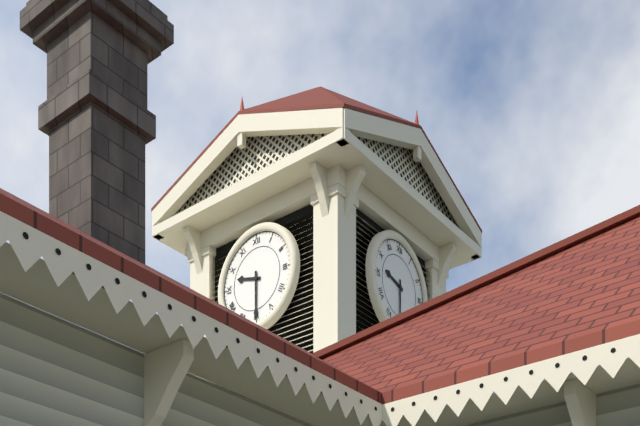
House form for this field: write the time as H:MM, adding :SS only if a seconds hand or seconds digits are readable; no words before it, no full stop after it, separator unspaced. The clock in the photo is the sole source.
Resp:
9:30
